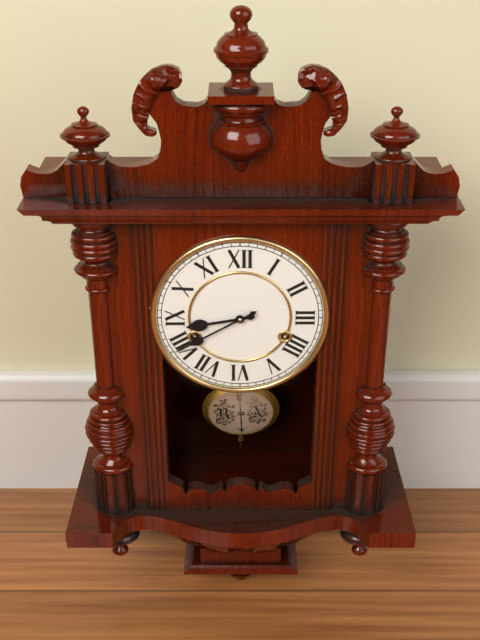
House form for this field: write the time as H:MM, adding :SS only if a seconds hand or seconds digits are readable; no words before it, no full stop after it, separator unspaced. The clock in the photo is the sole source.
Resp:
8:40
